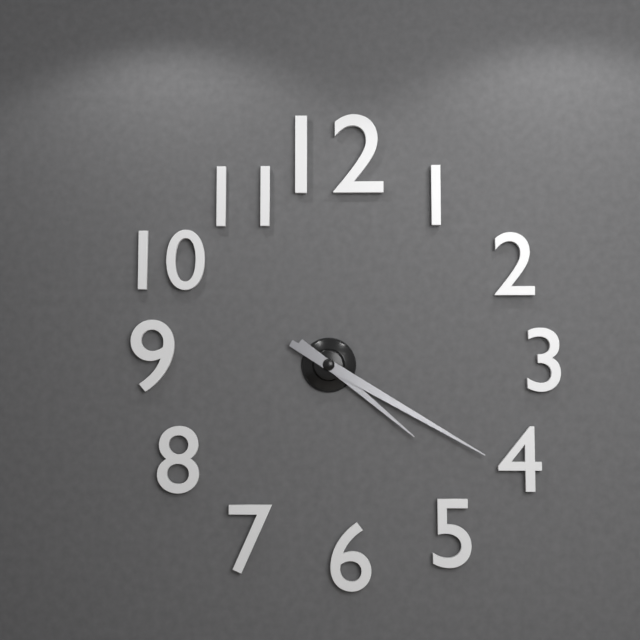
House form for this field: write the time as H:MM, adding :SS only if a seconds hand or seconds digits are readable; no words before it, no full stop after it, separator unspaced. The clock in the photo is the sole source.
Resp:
4:20
